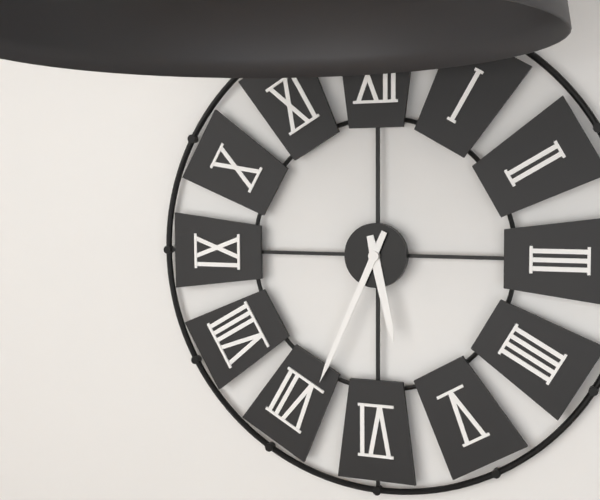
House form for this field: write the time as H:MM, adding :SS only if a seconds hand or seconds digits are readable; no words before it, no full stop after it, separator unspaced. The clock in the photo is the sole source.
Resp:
5:34
